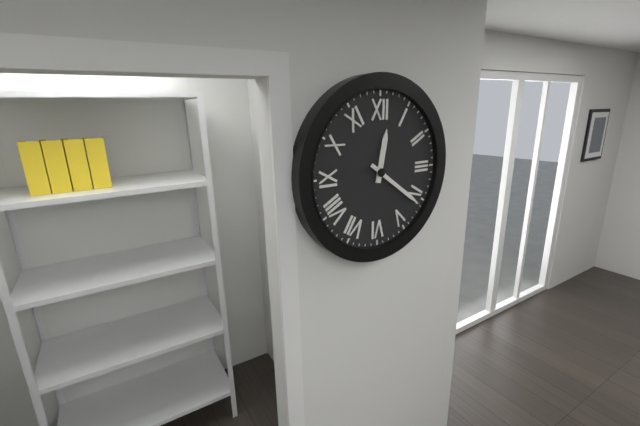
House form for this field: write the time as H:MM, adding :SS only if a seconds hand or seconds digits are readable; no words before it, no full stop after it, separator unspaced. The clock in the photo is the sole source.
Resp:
12:21
